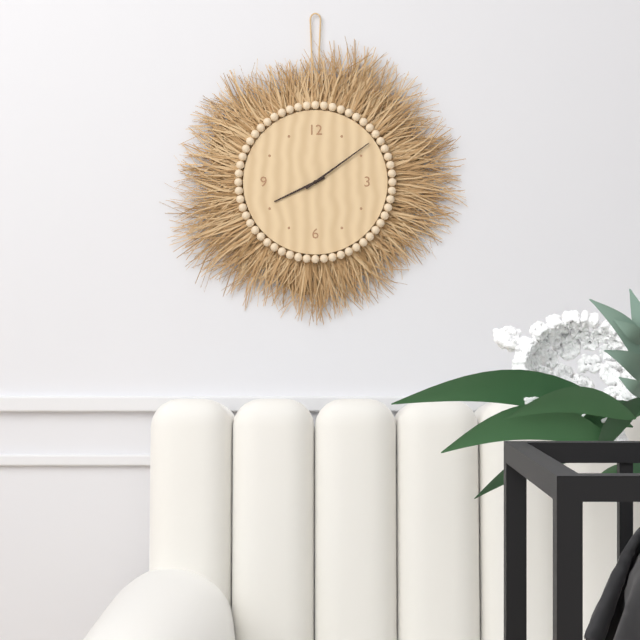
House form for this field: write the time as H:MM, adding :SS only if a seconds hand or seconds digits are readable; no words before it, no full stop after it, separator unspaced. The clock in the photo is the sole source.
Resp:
8:09
